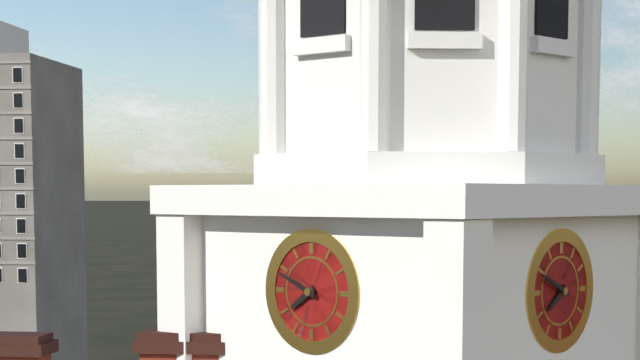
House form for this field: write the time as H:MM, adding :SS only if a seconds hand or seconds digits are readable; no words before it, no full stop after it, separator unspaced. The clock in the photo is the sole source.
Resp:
7:49
